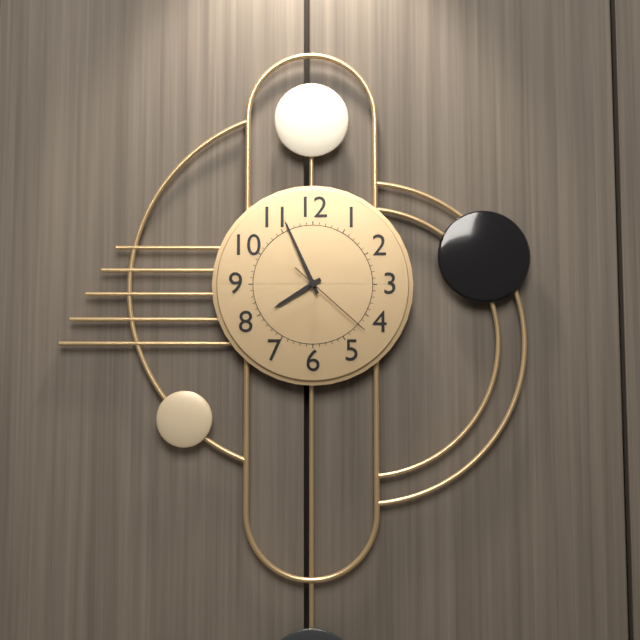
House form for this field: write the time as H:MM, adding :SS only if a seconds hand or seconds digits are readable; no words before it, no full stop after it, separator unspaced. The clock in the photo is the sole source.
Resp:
7:56:22
